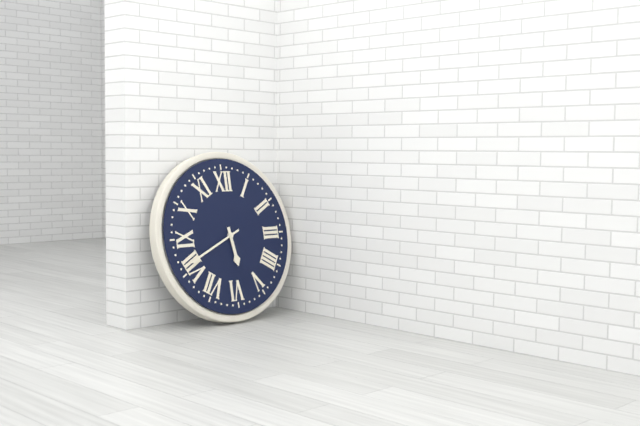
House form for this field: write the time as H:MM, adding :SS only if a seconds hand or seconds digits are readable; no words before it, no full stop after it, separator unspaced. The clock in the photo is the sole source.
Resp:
5:41
